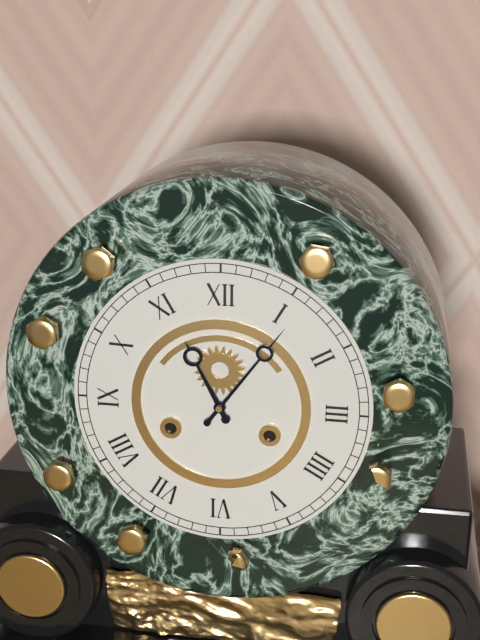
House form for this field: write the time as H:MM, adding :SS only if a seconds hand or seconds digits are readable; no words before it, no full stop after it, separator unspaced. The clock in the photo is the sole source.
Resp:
11:06
